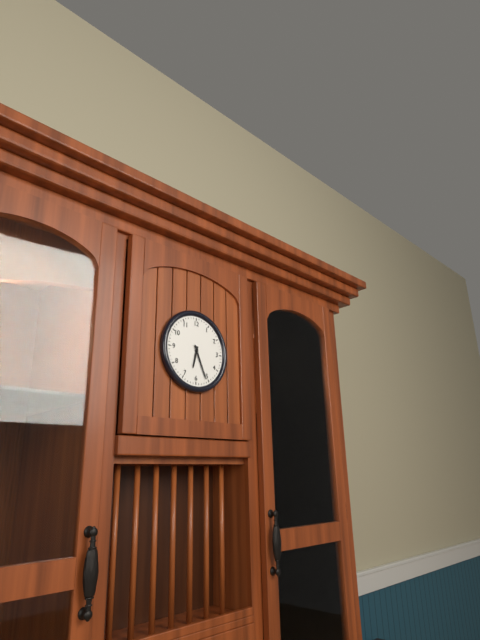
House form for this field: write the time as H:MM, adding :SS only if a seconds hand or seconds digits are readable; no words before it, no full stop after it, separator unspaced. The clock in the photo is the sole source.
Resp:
6:26
